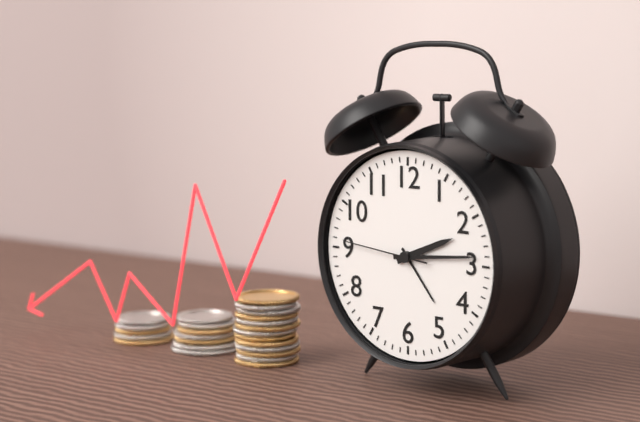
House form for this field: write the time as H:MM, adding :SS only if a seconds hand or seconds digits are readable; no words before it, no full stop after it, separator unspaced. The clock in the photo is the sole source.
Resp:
2:14:46
